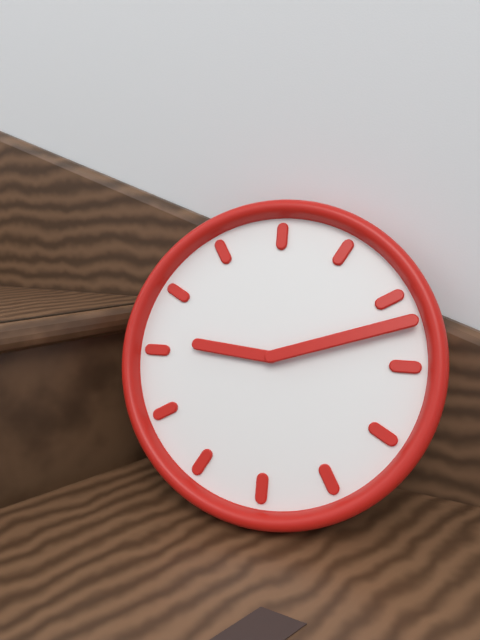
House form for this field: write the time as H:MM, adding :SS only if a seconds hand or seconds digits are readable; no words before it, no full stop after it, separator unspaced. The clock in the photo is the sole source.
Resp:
9:12
